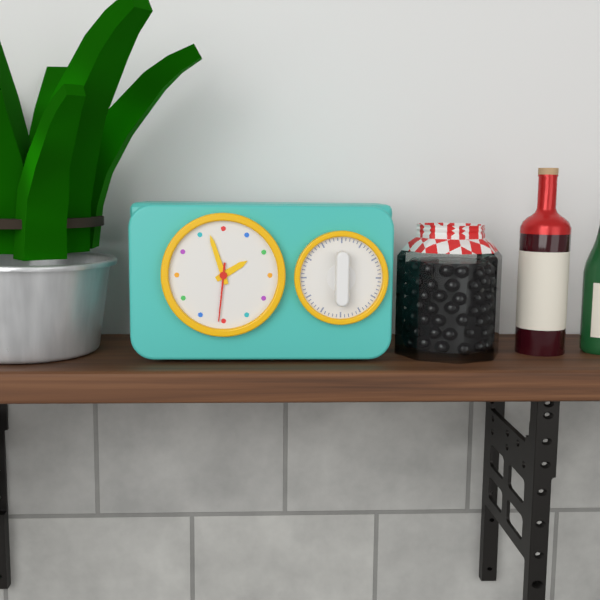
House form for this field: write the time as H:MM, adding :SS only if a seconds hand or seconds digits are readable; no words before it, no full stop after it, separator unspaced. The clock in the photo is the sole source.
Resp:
1:57:31
